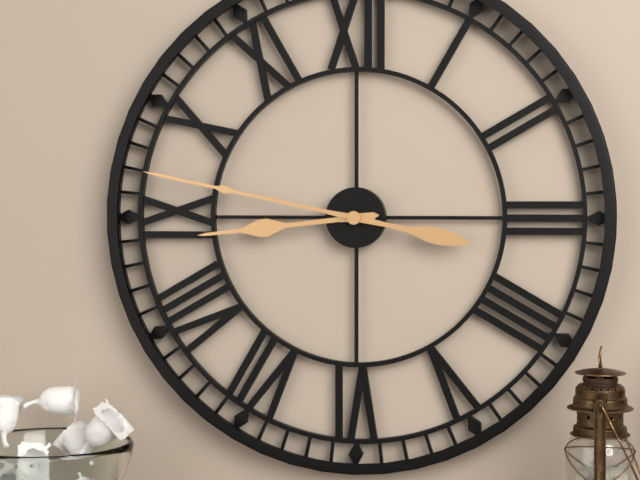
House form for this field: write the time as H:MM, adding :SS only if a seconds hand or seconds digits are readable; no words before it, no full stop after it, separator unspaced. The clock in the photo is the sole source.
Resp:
8:47
